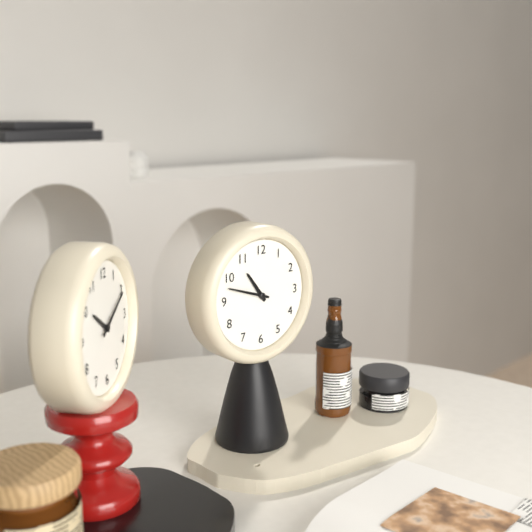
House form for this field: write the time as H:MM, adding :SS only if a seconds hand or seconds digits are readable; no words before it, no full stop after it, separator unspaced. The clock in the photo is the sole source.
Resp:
10:48
